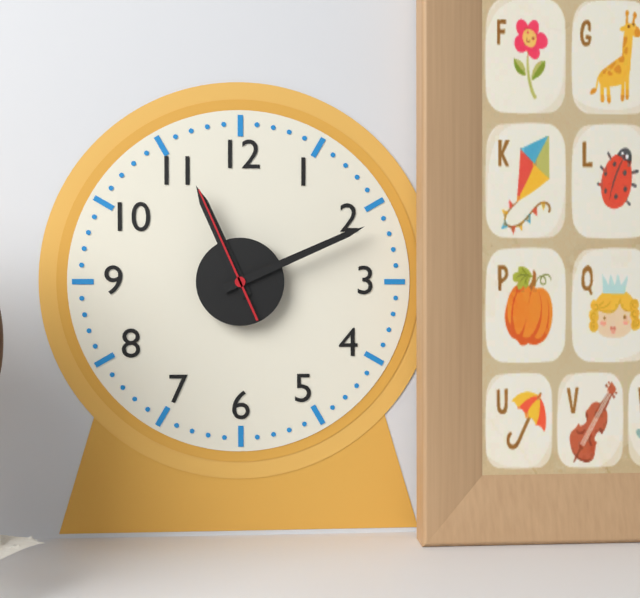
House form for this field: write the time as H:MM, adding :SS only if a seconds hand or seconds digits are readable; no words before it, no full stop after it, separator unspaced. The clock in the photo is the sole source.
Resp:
11:11:56
